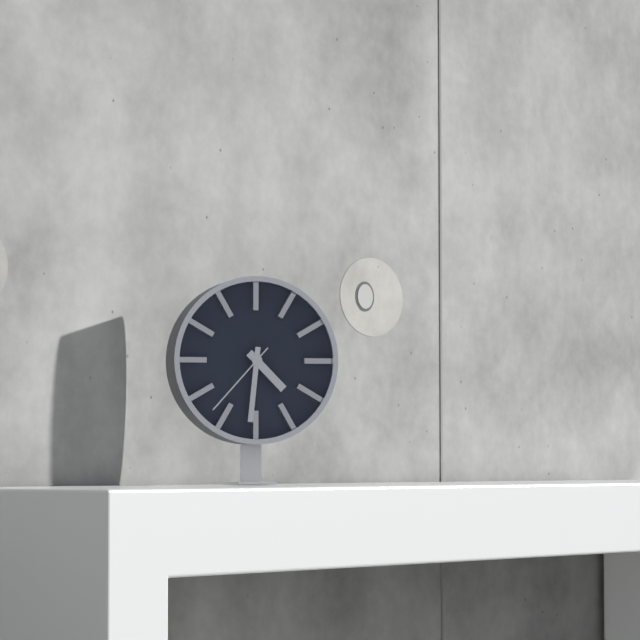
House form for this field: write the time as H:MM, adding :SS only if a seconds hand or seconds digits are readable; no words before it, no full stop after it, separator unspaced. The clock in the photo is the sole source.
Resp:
4:31:37
